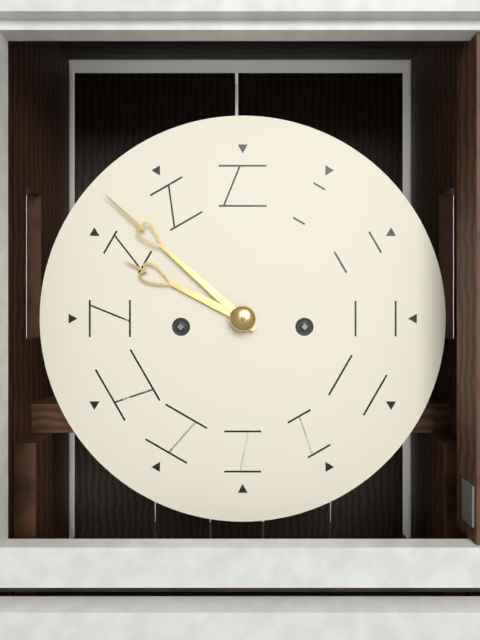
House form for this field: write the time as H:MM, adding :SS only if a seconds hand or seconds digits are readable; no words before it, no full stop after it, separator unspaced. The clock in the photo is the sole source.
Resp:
9:52
